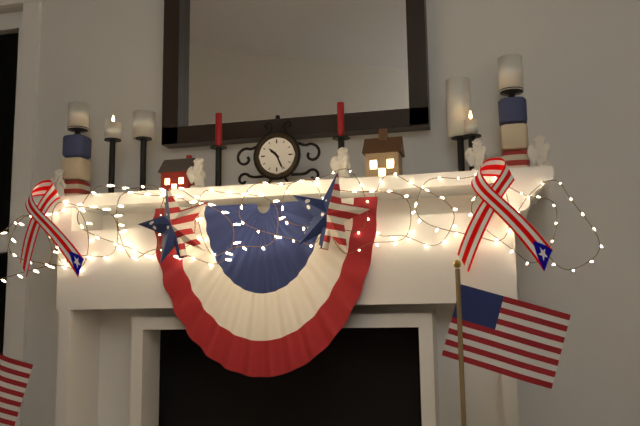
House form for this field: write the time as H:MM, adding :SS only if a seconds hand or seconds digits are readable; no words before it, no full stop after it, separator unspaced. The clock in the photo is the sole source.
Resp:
10:26
